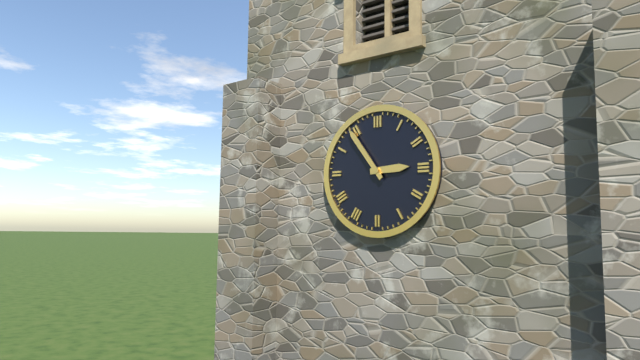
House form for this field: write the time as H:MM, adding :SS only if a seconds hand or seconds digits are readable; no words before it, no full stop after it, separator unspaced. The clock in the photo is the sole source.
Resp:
2:54
